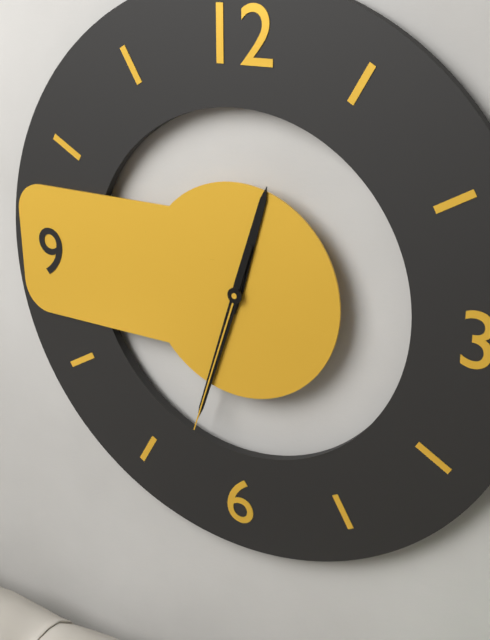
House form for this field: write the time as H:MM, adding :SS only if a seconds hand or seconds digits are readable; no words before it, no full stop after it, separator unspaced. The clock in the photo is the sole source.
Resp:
12:33:33
